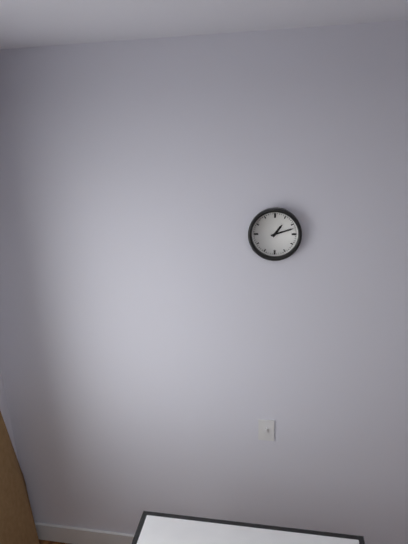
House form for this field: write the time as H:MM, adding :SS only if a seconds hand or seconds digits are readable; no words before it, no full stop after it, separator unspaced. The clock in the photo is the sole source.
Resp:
1:12
